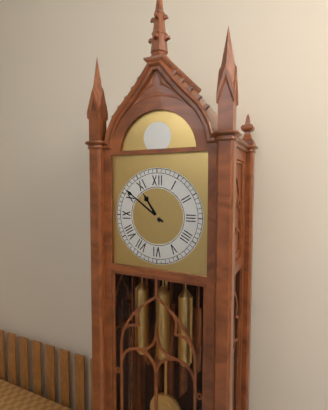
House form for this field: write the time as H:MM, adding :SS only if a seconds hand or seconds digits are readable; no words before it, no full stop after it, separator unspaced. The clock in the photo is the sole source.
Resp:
10:51
